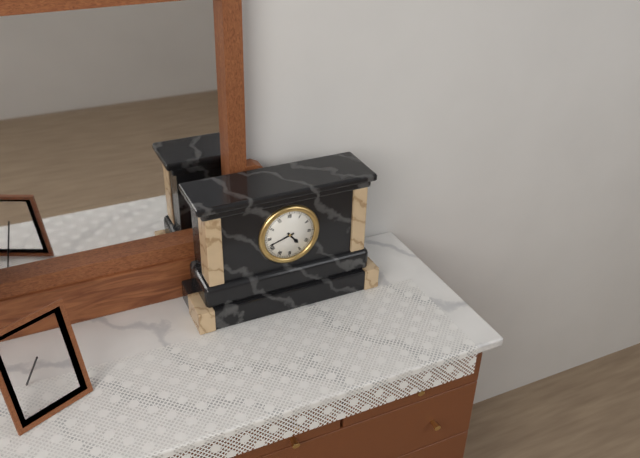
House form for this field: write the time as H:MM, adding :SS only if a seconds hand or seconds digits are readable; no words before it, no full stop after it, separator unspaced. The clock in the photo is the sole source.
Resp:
4:42
